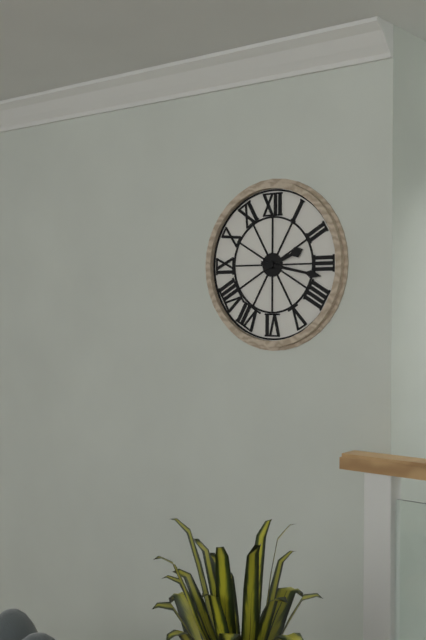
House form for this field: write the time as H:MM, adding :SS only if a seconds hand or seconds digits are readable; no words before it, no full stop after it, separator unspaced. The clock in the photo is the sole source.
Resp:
2:17
